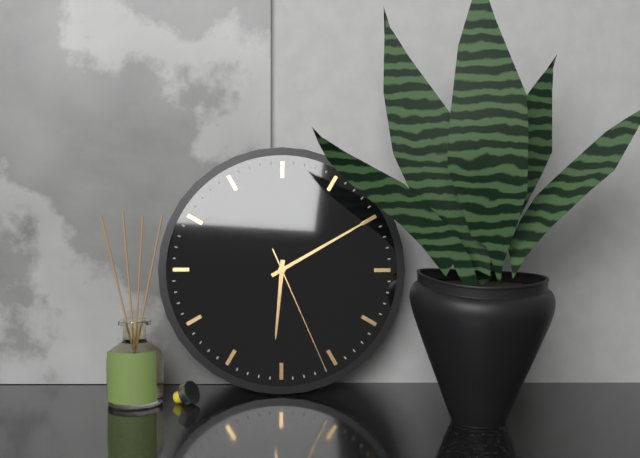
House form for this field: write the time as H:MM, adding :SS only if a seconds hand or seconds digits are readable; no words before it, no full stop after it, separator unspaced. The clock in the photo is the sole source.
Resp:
6:10:26
